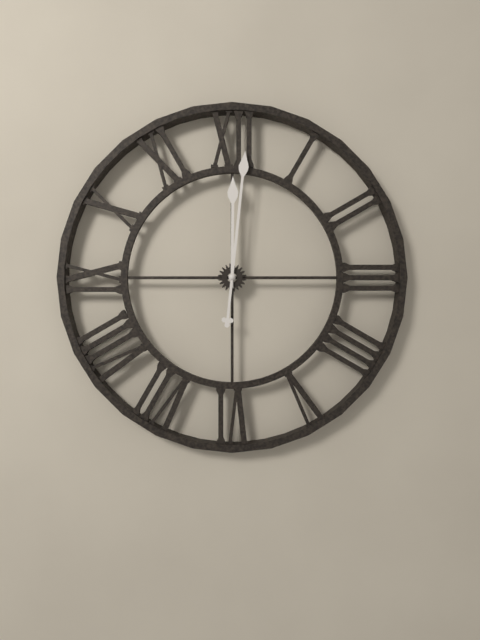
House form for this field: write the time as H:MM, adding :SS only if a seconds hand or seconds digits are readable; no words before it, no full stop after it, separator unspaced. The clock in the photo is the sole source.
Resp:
12:01
